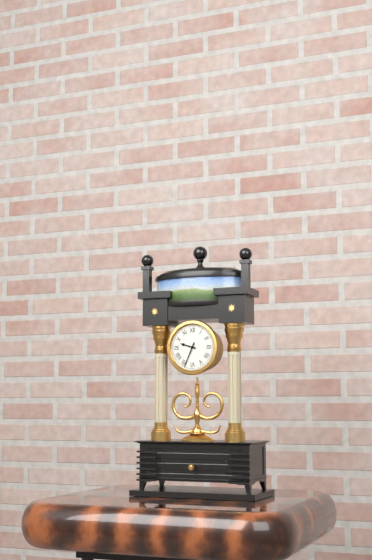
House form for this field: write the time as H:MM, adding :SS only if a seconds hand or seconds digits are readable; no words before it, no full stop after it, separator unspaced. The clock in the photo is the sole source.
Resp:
9:34
